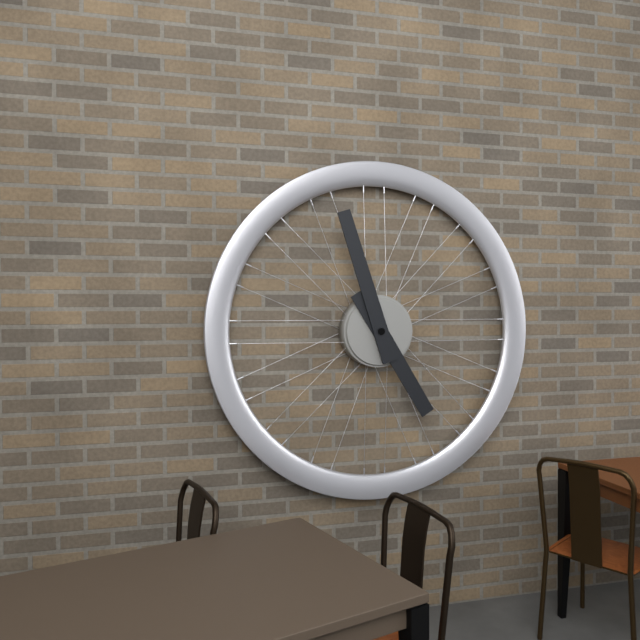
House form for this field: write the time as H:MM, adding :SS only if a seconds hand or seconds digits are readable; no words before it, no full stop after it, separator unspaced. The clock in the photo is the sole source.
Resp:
4:57
